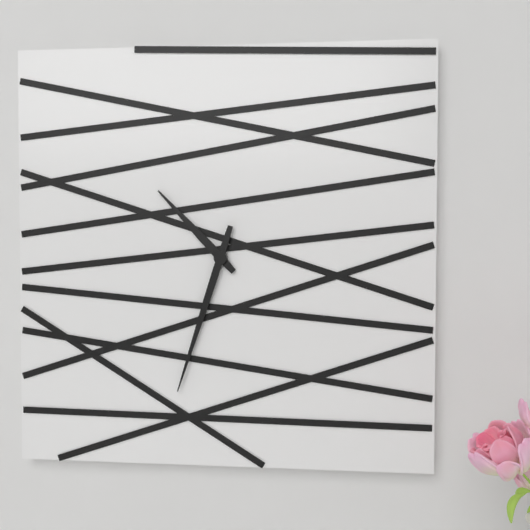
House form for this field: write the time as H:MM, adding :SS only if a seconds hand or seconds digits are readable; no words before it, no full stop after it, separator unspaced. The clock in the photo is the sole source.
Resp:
10:33
